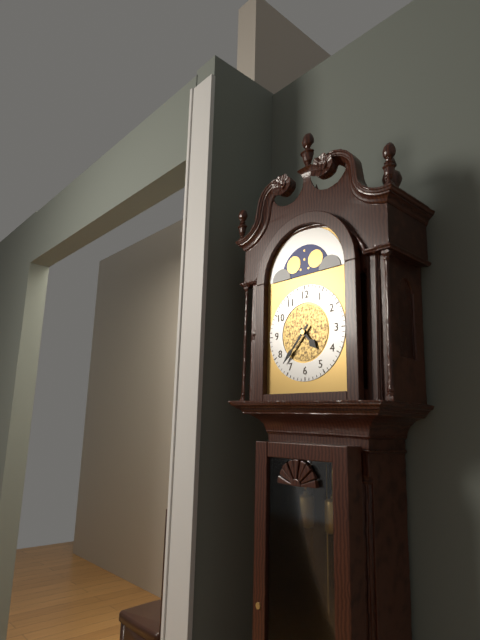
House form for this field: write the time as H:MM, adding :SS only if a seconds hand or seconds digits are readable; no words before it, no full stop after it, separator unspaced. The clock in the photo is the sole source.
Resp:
4:37
